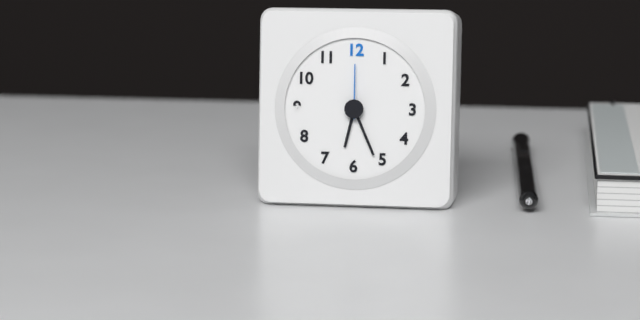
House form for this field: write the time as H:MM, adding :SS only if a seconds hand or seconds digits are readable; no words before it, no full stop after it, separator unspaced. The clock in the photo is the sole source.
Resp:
6:26:00
